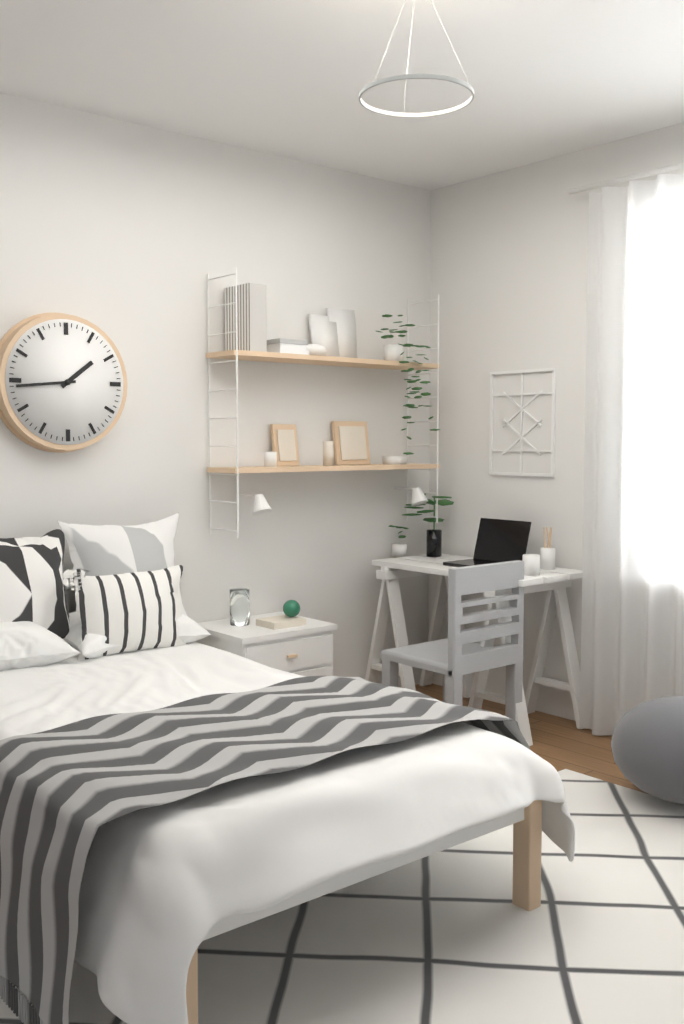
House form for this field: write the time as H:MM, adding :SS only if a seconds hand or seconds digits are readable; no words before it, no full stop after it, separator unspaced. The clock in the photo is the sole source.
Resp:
1:44
